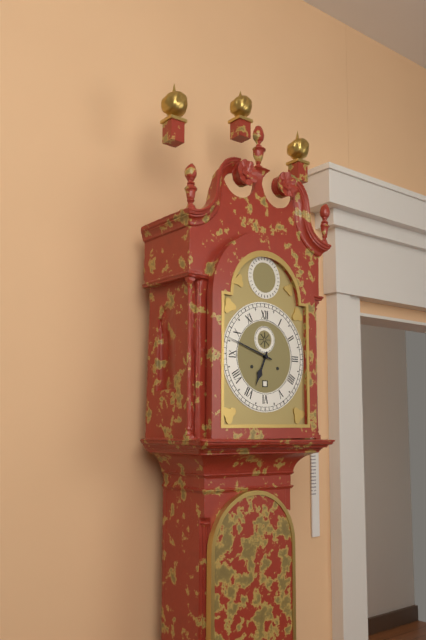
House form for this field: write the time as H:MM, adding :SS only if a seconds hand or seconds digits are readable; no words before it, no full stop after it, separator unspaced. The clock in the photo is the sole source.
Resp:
6:48
